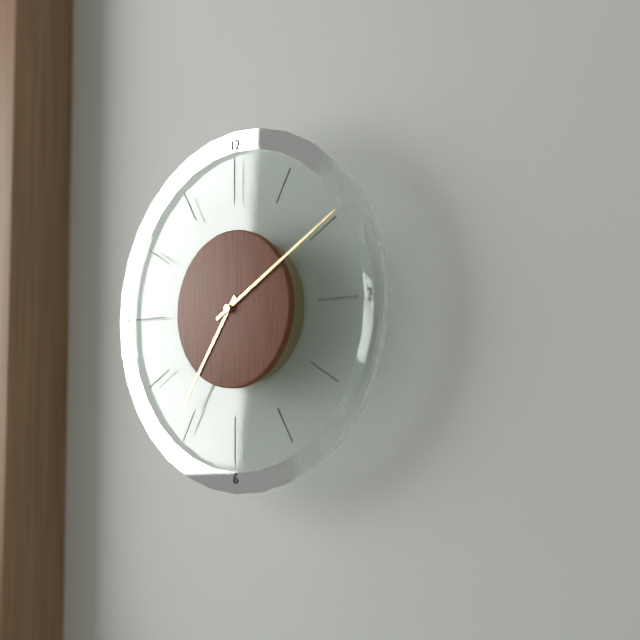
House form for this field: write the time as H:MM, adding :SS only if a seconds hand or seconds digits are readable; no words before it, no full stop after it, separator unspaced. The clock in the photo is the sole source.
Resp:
7:10
